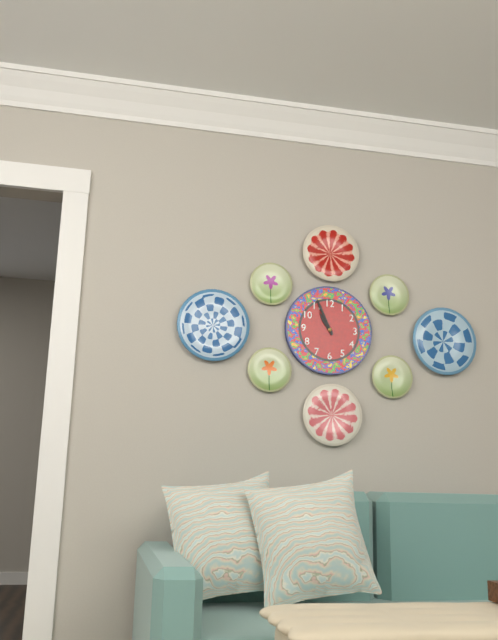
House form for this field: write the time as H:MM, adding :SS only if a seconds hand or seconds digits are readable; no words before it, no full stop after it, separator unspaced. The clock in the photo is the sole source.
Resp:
10:56
